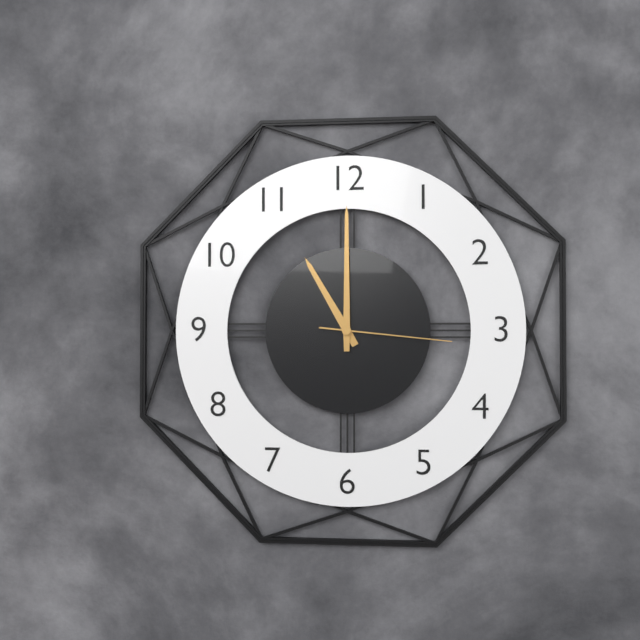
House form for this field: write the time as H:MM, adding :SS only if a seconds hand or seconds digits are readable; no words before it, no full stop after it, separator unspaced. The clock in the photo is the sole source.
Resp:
11:00:16
